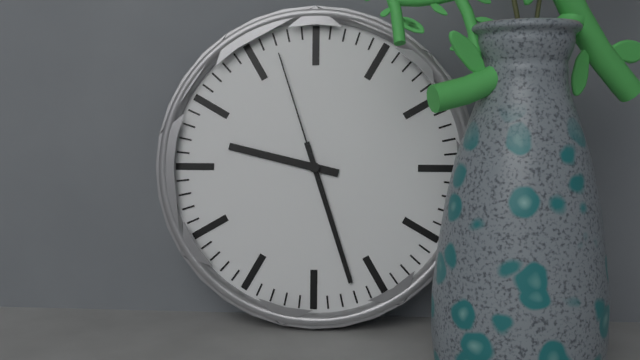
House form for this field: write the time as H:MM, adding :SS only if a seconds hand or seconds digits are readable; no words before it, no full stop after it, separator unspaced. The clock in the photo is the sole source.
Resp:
9:27:57
